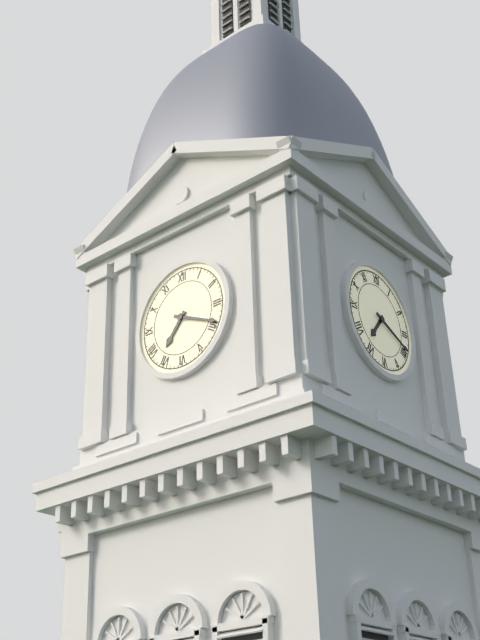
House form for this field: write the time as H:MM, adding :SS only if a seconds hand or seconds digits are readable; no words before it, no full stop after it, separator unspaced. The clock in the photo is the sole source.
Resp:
7:19
